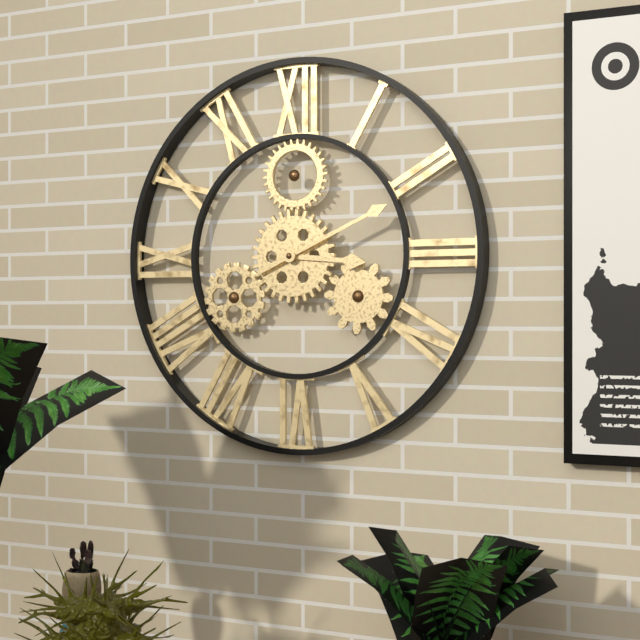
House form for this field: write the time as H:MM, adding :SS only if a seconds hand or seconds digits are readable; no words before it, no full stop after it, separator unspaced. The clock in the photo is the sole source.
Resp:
3:11
